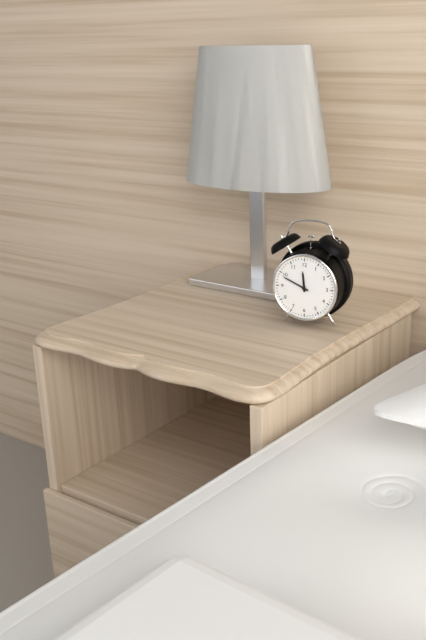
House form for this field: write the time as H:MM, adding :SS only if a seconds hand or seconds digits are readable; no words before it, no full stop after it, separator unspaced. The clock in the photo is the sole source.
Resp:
11:49
